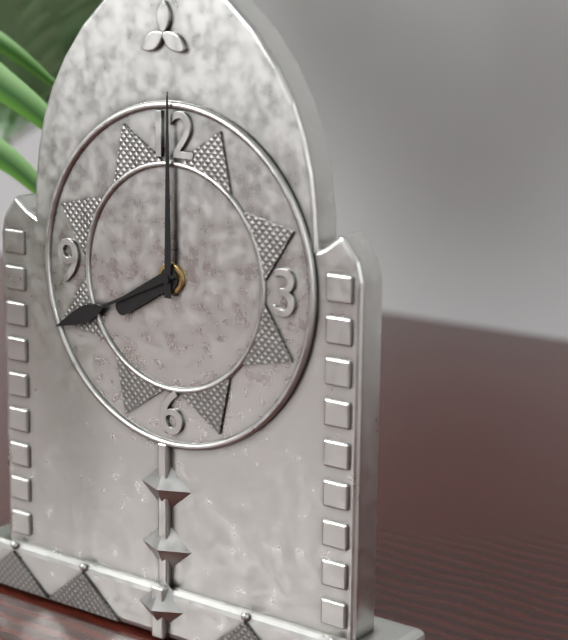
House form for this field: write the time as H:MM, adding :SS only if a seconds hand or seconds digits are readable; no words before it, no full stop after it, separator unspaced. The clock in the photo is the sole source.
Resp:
8:00:41
